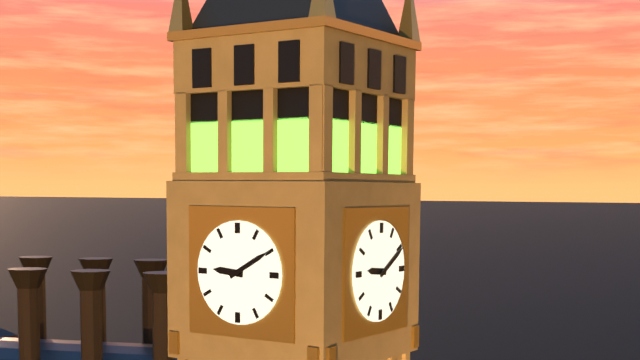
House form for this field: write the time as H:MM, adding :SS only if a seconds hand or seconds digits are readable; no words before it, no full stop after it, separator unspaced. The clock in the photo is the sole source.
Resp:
9:10
